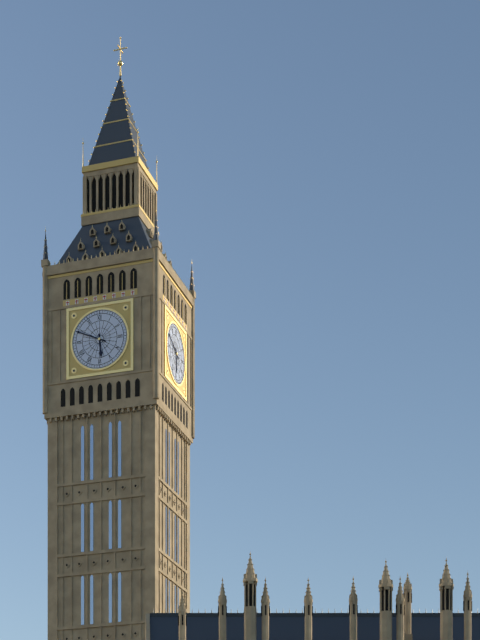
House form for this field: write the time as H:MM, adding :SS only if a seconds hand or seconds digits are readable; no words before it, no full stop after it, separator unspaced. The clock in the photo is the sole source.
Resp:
5:49
